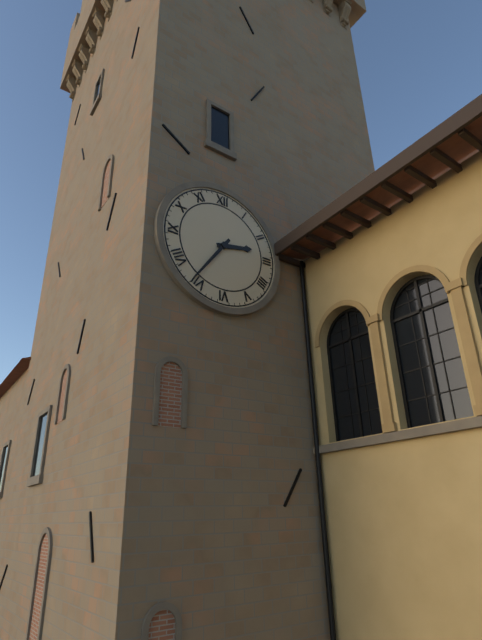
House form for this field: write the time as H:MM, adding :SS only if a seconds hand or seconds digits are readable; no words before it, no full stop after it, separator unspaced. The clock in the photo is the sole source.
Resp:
2:36
